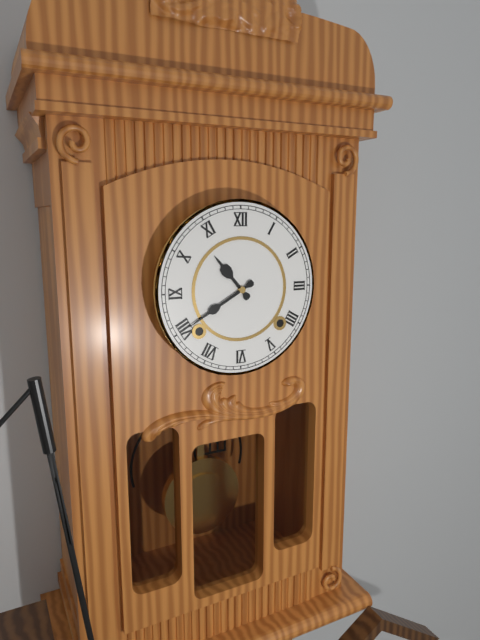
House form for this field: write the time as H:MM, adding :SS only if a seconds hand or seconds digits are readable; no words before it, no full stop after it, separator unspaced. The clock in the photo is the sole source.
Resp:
10:40
